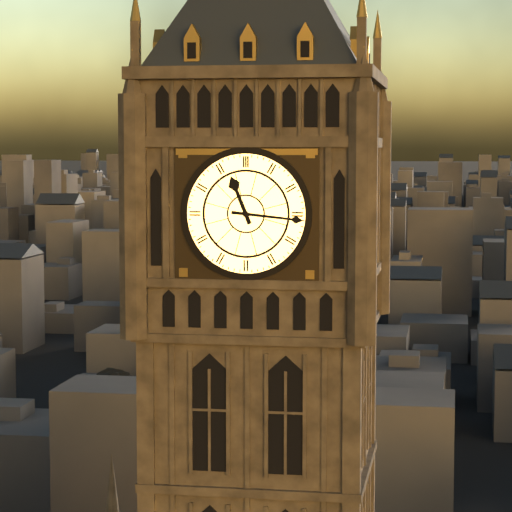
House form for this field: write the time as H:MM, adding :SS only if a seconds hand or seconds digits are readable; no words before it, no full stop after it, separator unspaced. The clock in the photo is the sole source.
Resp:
11:16
